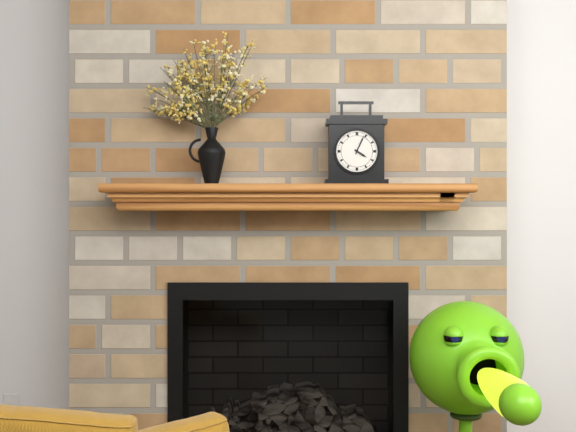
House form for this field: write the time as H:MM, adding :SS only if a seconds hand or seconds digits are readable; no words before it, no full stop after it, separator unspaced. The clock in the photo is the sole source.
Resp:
4:04
